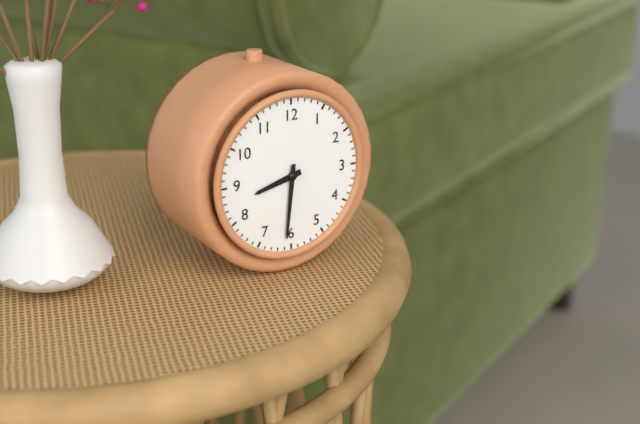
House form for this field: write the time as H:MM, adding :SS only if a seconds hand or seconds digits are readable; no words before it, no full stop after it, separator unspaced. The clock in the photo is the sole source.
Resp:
8:31
